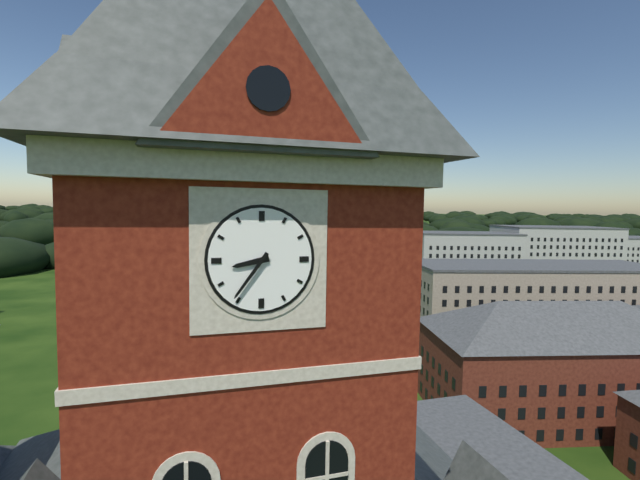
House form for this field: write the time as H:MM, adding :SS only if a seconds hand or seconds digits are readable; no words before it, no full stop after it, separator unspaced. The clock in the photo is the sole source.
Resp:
8:36
